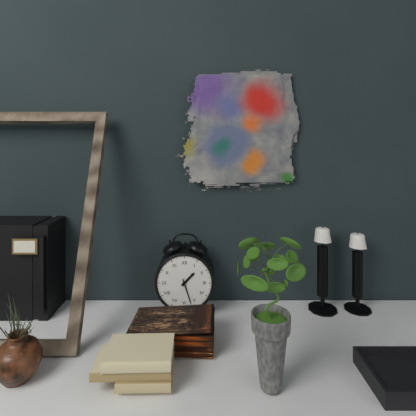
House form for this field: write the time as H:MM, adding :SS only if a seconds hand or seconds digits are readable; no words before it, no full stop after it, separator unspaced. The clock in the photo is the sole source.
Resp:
1:27
